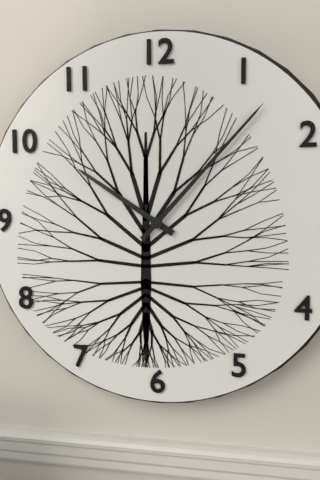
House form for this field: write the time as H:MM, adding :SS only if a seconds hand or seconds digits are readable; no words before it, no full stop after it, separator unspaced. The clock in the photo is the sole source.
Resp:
10:07
